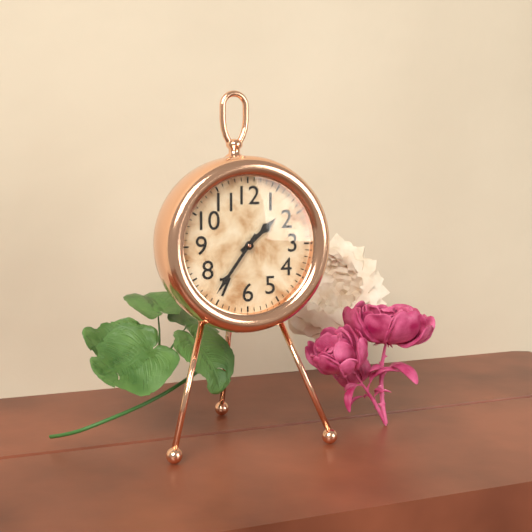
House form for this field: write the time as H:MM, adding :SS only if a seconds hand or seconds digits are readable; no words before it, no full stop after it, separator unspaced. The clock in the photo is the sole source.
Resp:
1:36
